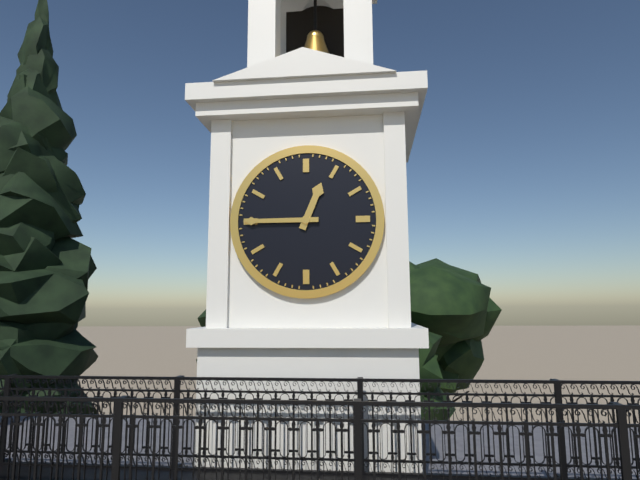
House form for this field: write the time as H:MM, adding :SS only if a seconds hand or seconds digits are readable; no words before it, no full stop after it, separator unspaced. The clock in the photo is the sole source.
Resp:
12:45
